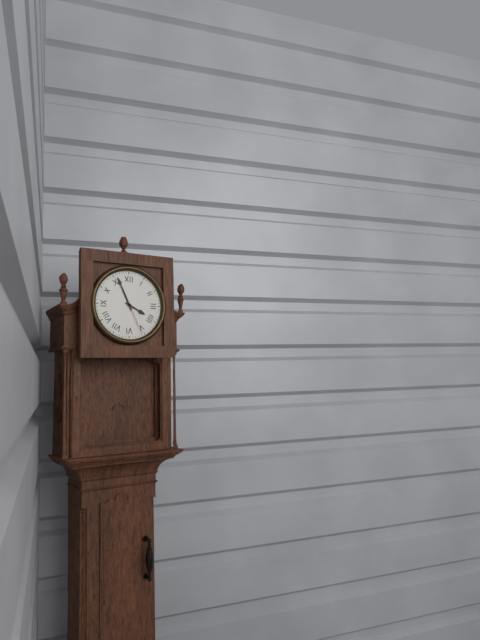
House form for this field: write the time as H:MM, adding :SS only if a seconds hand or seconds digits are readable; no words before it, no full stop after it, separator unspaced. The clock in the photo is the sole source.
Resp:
3:56
